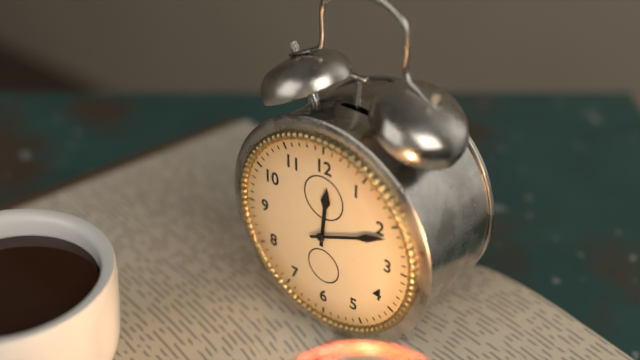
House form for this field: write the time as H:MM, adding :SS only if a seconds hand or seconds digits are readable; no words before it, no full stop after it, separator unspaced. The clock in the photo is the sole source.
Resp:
12:11
